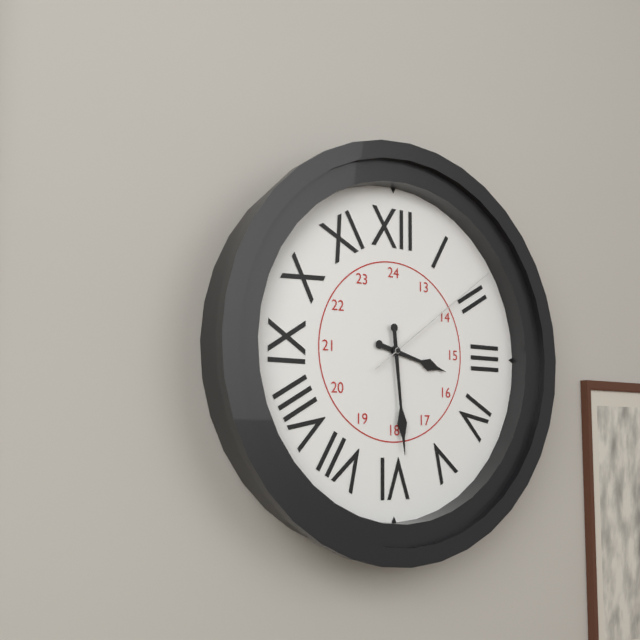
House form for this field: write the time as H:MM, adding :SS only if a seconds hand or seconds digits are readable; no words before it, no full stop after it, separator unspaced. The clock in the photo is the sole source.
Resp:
3:29:09
